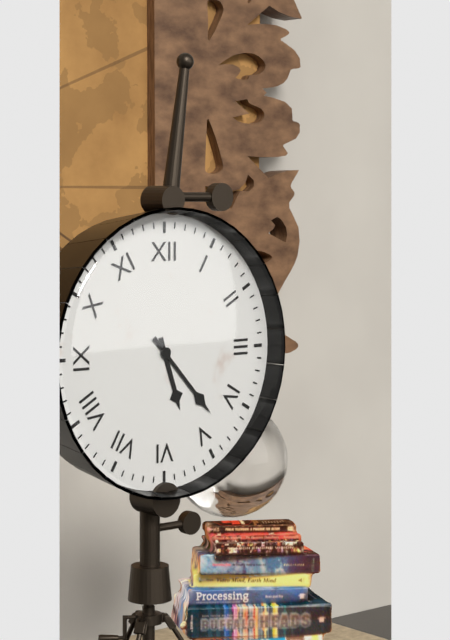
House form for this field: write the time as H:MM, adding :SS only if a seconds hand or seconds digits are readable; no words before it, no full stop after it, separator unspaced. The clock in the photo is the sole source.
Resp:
5:23
